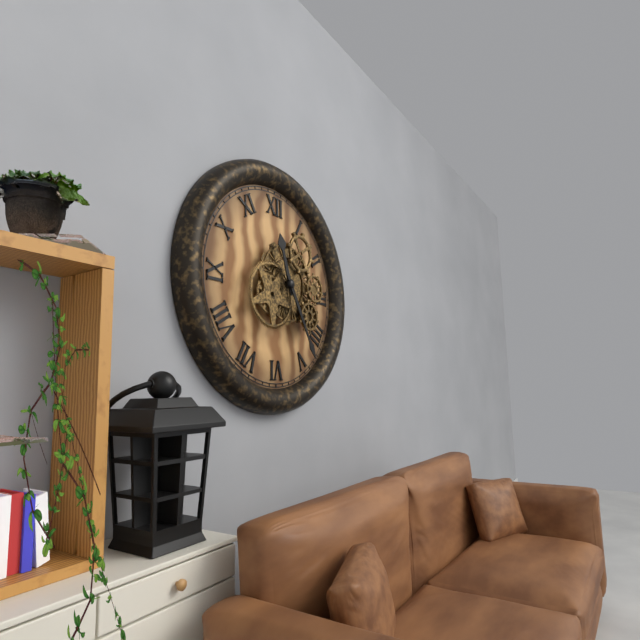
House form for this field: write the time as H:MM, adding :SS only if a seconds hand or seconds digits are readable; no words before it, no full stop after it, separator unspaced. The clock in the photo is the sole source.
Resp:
11:25
